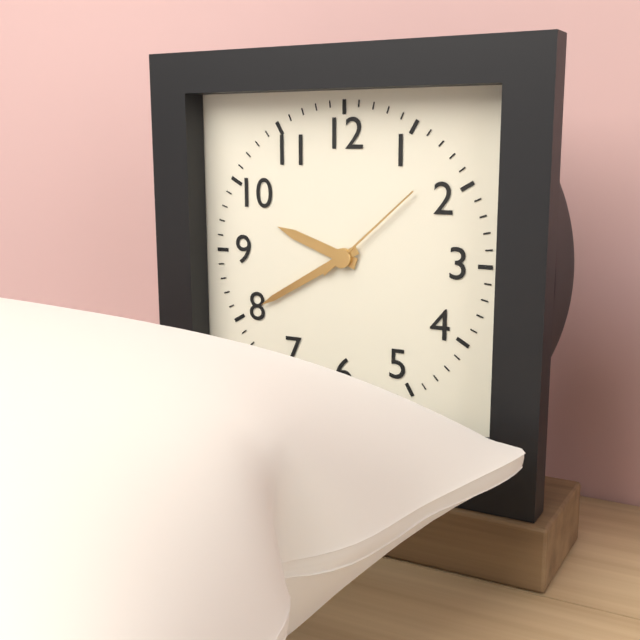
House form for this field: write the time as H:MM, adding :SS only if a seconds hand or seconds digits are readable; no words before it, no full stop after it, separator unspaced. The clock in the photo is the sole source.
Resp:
9:40:08
